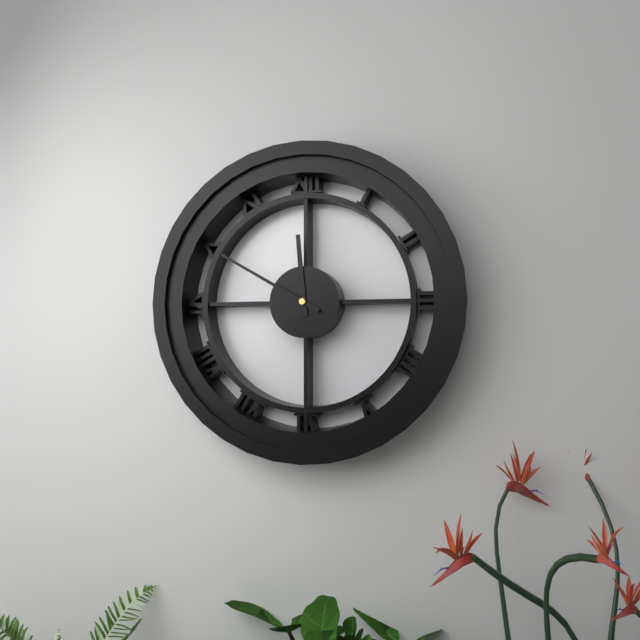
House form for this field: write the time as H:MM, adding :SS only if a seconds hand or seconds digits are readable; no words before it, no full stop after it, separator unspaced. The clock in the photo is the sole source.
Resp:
11:50
